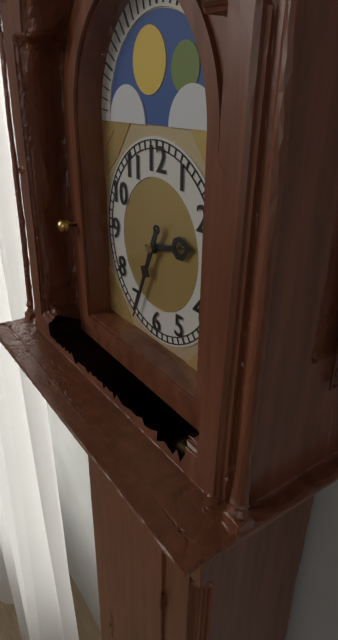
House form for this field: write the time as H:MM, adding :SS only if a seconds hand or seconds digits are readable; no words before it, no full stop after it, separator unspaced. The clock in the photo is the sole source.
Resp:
2:34
